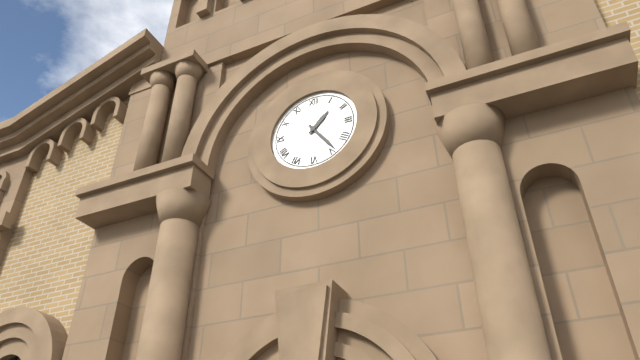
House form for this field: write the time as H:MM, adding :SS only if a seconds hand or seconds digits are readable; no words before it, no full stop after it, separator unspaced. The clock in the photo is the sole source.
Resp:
1:24
